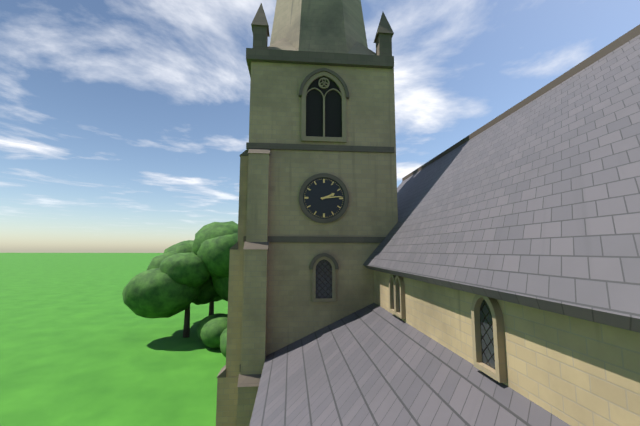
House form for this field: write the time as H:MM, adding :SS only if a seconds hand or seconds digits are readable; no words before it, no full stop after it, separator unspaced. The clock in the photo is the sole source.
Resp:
2:14
